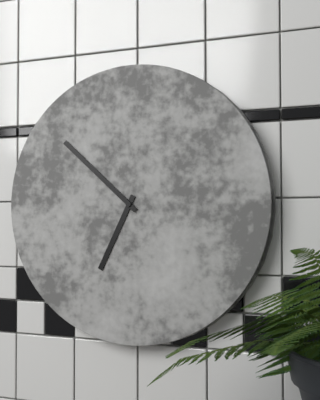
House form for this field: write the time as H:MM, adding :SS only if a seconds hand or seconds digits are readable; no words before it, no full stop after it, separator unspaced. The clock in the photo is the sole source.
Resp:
6:52
